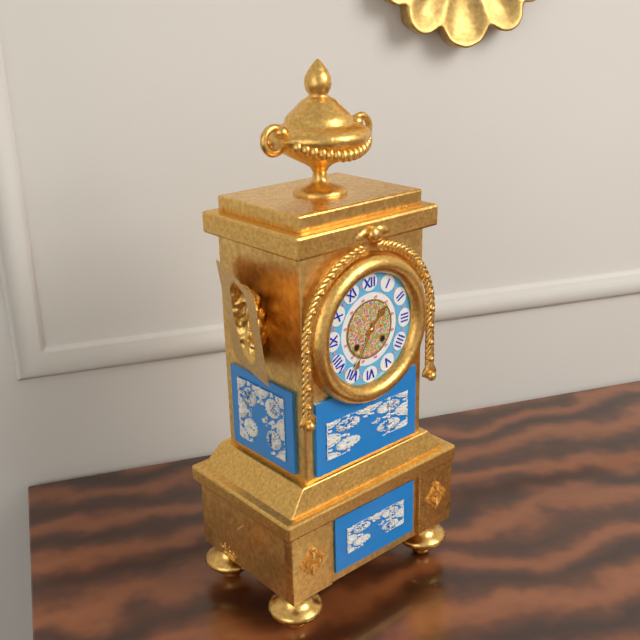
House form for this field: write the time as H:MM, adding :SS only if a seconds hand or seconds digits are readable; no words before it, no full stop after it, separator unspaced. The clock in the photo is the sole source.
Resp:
1:35
